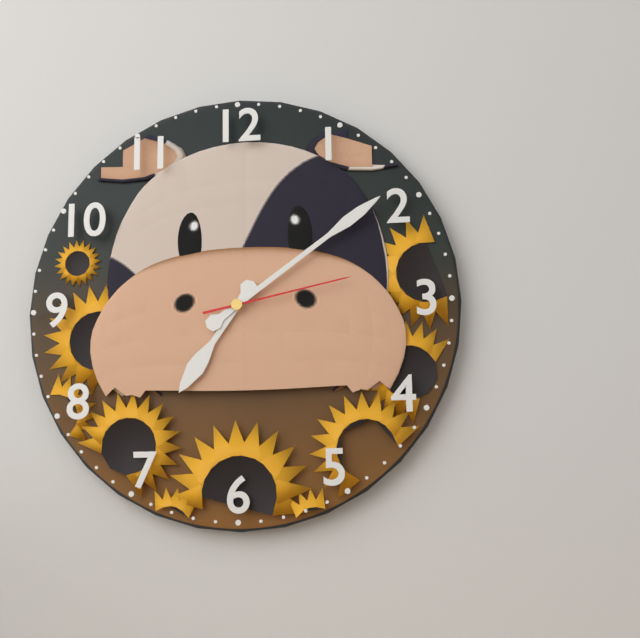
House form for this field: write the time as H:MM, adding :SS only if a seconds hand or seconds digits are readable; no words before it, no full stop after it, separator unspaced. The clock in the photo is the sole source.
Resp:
7:09:13
